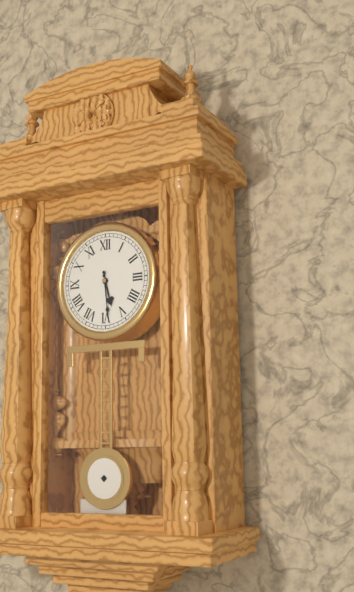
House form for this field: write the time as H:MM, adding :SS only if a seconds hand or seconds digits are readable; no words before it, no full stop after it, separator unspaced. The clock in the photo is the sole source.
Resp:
5:29
